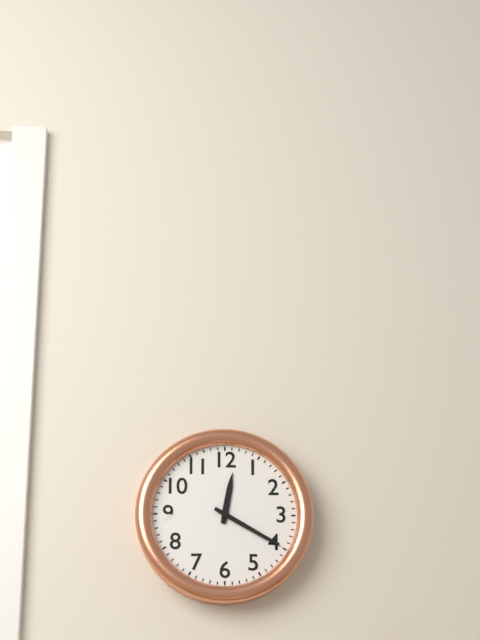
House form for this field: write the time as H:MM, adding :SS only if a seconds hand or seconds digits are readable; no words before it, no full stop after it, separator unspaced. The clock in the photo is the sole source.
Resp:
12:20
